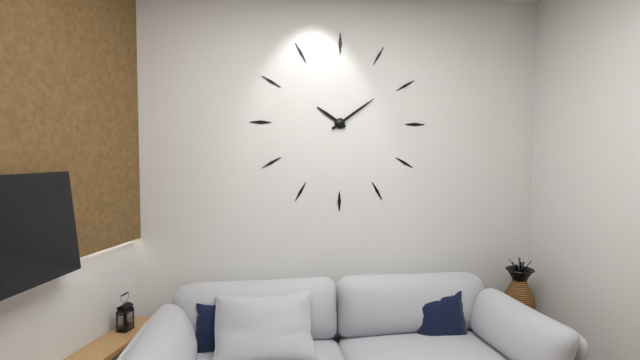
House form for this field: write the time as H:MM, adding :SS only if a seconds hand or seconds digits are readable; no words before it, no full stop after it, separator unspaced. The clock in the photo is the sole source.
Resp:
10:09
